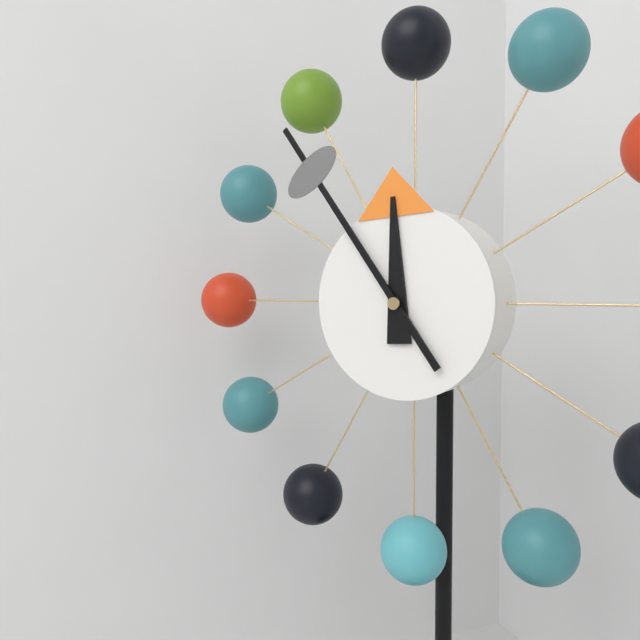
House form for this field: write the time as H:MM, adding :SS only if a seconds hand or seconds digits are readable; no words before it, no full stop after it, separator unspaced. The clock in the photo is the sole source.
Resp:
11:54
